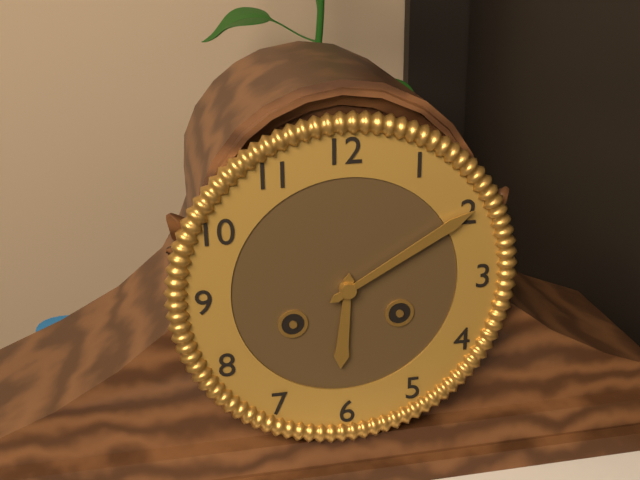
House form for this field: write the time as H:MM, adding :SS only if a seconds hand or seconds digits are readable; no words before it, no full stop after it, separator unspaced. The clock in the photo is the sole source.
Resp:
6:10
